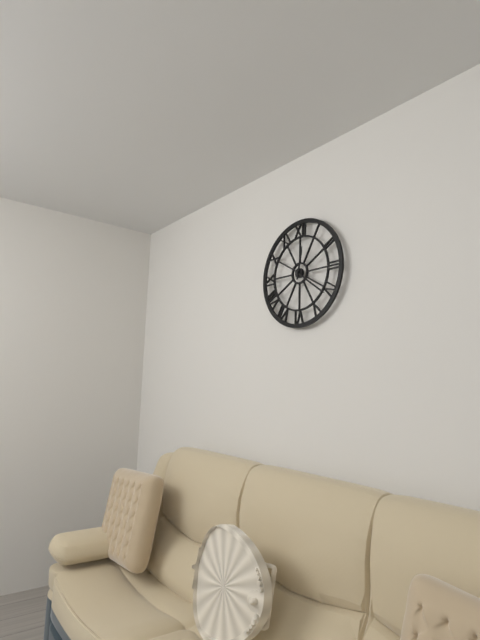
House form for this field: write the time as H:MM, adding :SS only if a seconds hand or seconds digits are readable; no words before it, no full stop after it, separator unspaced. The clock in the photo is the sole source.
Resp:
12:21
